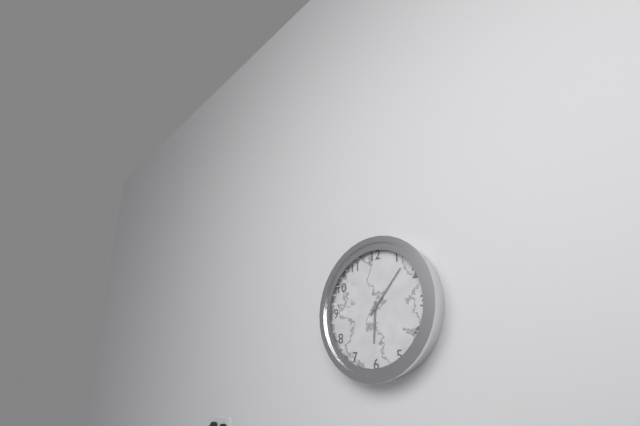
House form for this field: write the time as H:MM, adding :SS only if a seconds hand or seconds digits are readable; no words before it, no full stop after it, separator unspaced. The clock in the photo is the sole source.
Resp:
6:07
